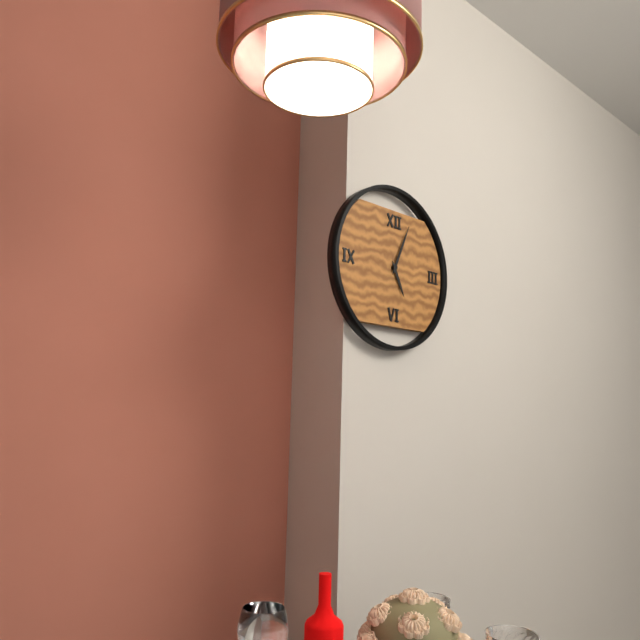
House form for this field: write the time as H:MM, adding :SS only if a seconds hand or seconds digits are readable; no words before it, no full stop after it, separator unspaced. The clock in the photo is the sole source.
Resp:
5:04
